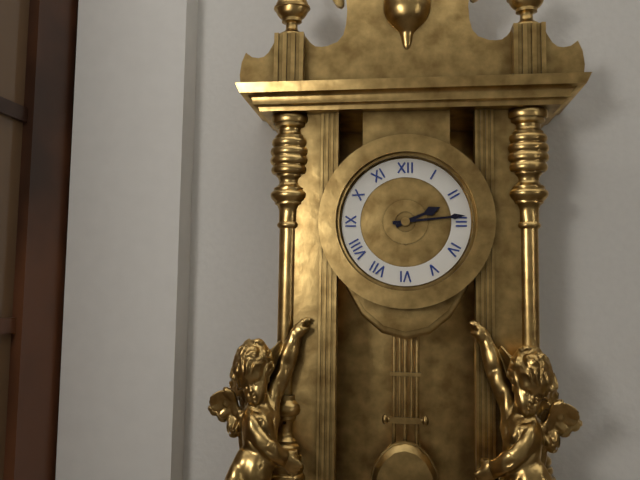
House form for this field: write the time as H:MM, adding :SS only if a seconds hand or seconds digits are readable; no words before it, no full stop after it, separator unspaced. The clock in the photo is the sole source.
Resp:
2:14
